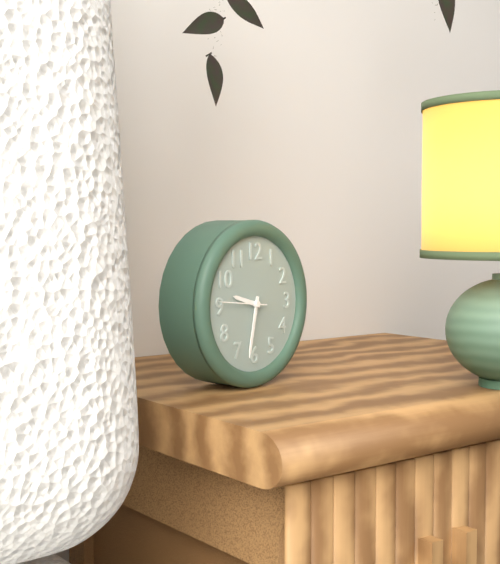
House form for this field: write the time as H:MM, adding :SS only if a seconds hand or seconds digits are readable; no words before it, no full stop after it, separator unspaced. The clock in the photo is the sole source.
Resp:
9:32
